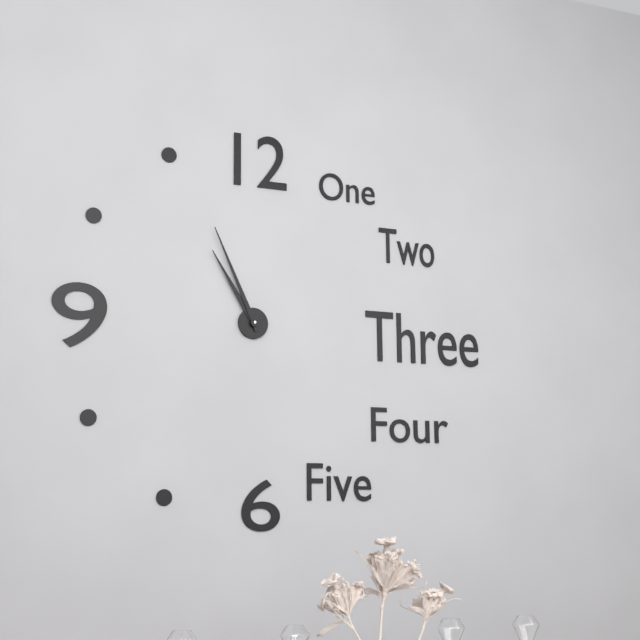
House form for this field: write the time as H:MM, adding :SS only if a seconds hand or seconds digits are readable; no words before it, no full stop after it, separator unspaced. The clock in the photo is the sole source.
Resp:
10:56
